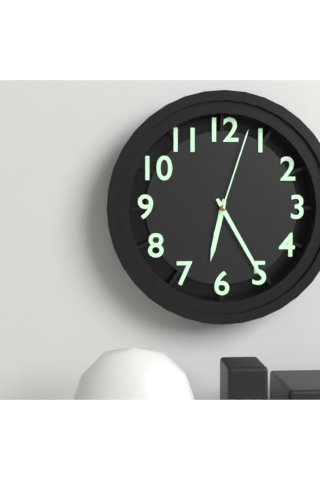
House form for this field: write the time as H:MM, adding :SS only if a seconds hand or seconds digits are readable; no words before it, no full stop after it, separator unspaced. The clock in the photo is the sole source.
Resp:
6:25:03
